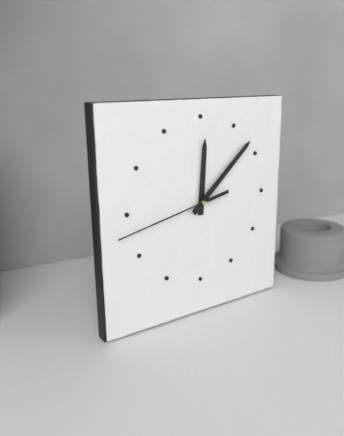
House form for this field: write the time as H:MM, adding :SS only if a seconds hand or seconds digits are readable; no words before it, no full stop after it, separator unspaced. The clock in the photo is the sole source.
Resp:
12:08:43
